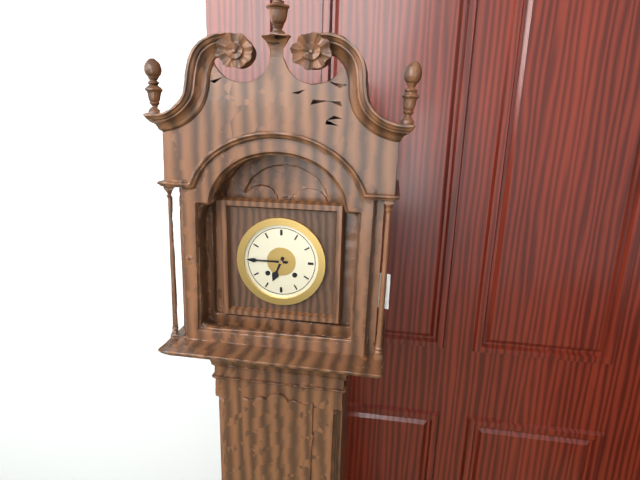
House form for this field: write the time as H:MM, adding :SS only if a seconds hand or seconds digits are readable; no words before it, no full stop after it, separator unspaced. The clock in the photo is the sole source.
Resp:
6:45
